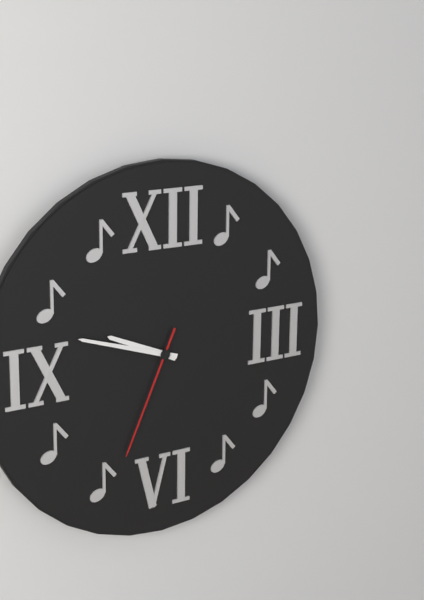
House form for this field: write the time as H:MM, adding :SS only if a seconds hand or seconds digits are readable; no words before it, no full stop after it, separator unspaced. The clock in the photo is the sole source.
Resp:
9:48:34
